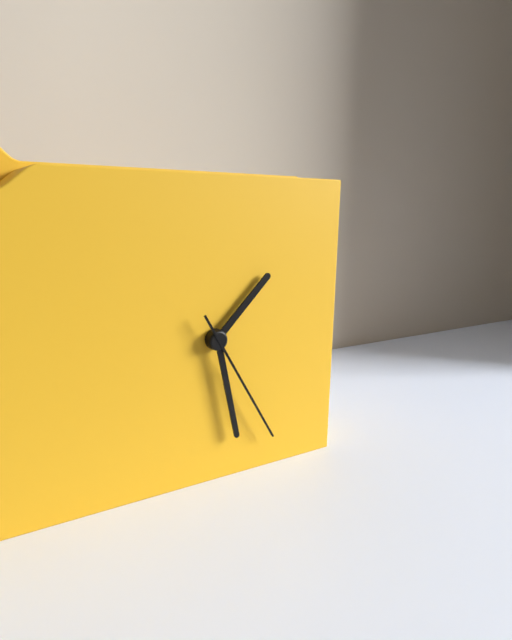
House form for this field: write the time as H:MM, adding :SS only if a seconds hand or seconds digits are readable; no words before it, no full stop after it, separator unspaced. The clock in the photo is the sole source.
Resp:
1:28:25
